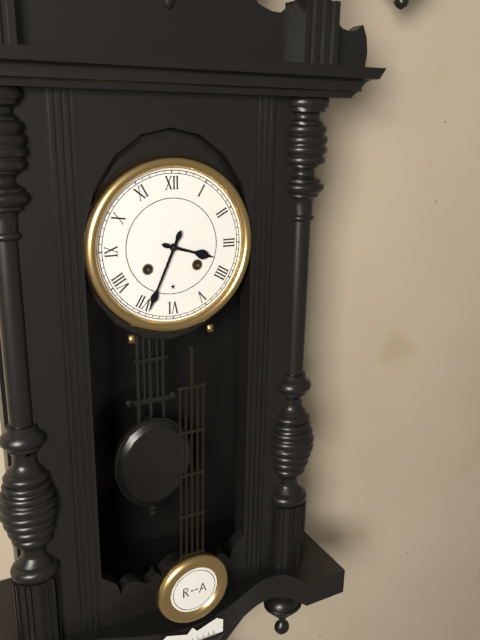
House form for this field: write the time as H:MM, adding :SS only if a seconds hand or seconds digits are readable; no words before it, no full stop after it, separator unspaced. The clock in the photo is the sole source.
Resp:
3:34
